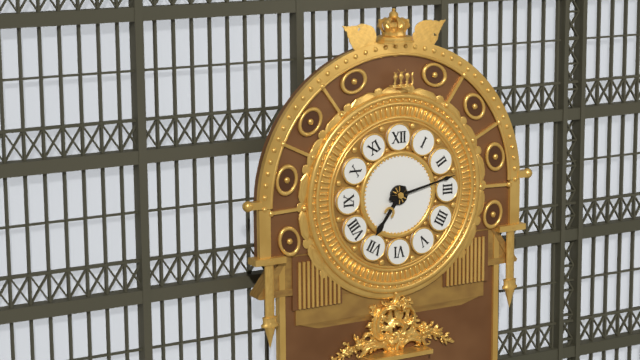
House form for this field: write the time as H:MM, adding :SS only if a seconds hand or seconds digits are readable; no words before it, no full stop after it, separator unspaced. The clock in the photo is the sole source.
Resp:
7:13
